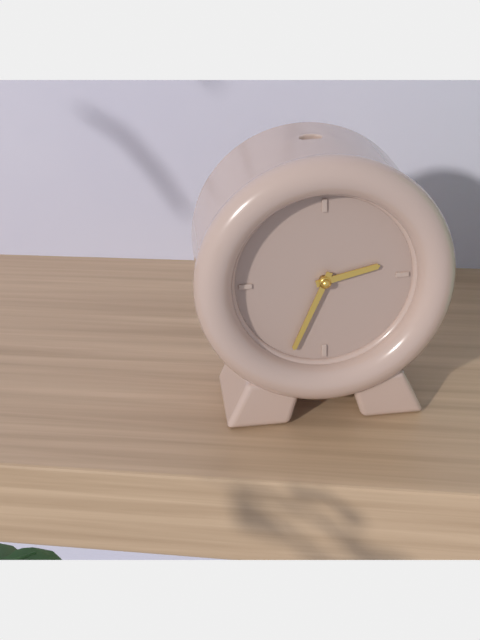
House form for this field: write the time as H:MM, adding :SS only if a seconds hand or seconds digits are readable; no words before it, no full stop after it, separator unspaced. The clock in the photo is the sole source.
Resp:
2:34
